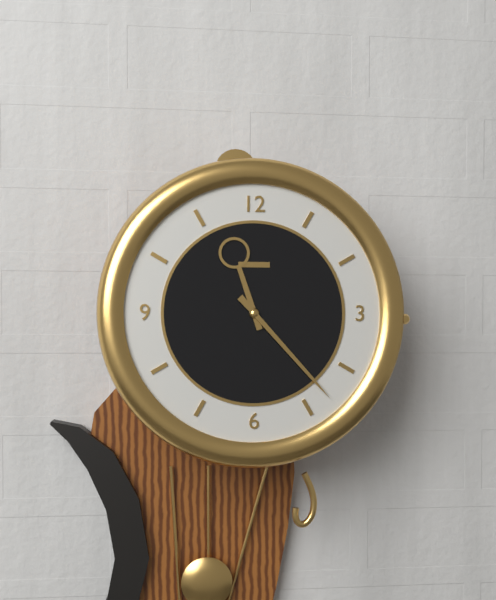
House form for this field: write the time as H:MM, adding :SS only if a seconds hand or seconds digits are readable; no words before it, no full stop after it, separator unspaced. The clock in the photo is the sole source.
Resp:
11:23
